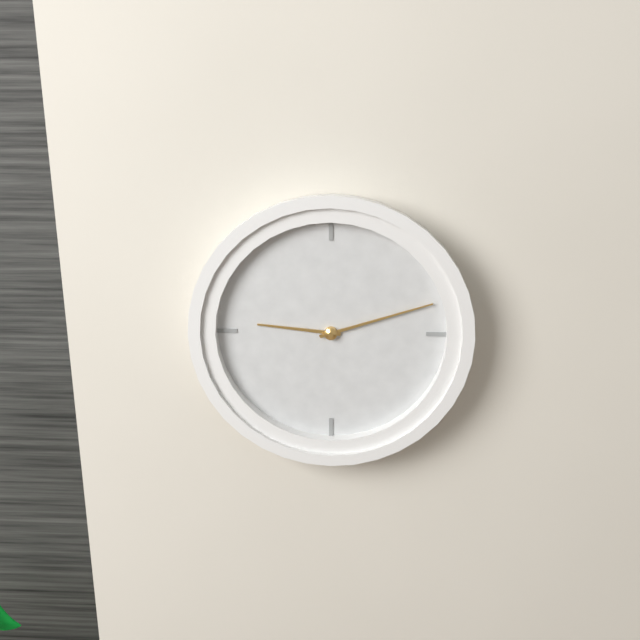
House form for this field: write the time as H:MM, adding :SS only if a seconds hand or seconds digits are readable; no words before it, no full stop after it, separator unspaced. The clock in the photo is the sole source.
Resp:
9:12
